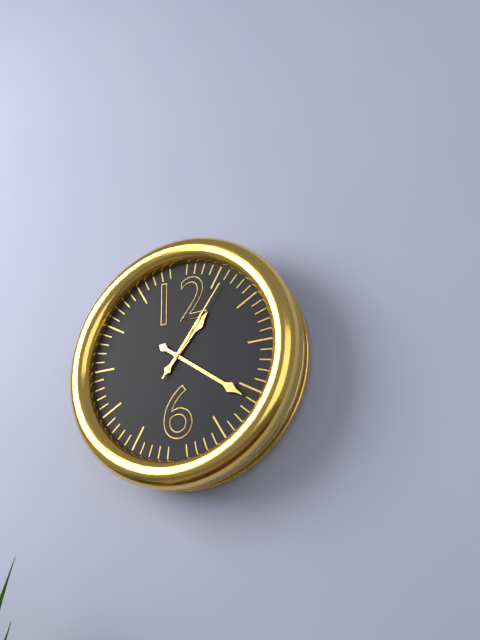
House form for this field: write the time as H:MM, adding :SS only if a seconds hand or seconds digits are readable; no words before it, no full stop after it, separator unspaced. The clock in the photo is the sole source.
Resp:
1:21:06
